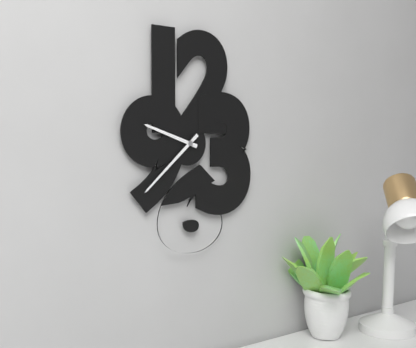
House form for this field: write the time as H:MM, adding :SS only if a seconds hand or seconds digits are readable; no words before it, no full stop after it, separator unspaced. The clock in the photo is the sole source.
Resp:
9:38
